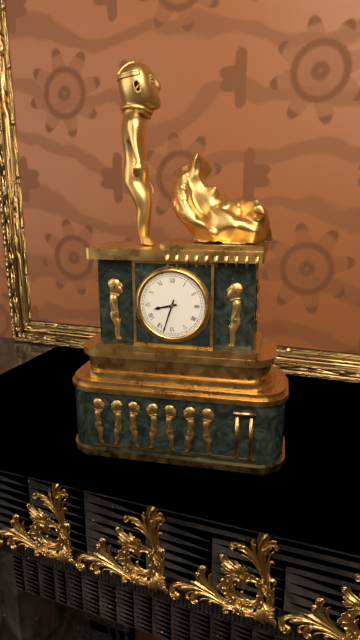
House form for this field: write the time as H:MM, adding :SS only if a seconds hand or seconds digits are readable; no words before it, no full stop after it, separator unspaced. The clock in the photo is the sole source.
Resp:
8:33
